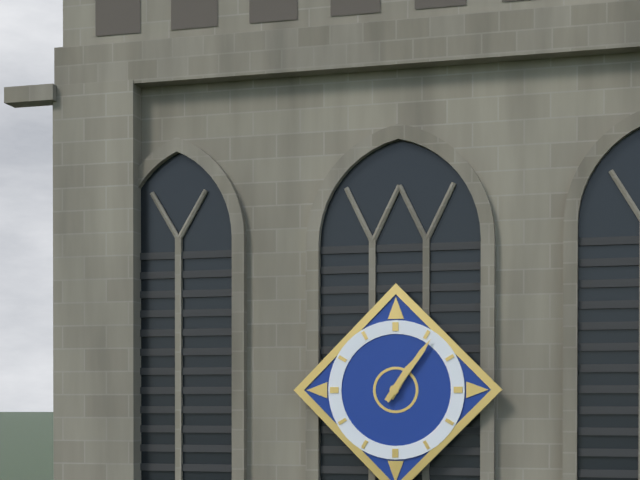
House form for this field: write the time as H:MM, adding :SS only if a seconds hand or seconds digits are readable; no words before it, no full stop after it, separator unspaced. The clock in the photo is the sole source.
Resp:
1:06
